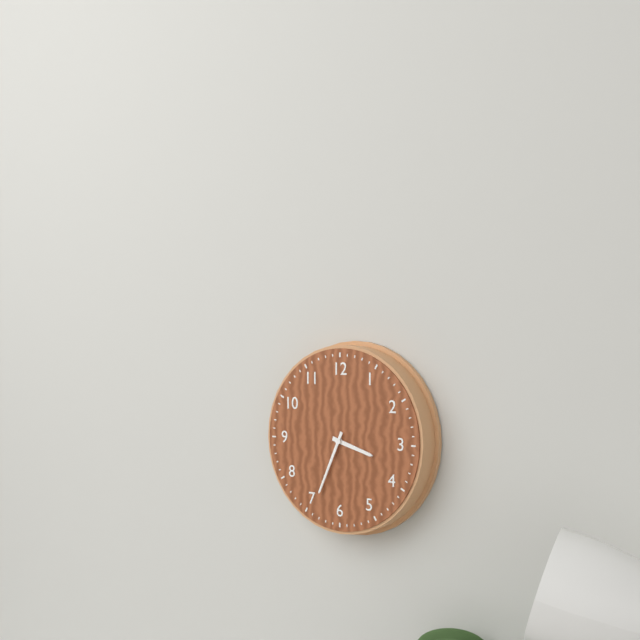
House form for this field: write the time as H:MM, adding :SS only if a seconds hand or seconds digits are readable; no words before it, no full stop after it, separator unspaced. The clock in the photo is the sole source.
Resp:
3:34
